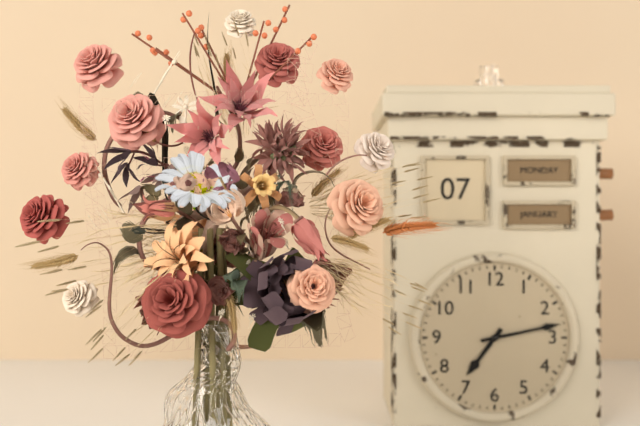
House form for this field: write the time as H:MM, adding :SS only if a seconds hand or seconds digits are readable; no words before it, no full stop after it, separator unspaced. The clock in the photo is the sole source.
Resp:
7:13
